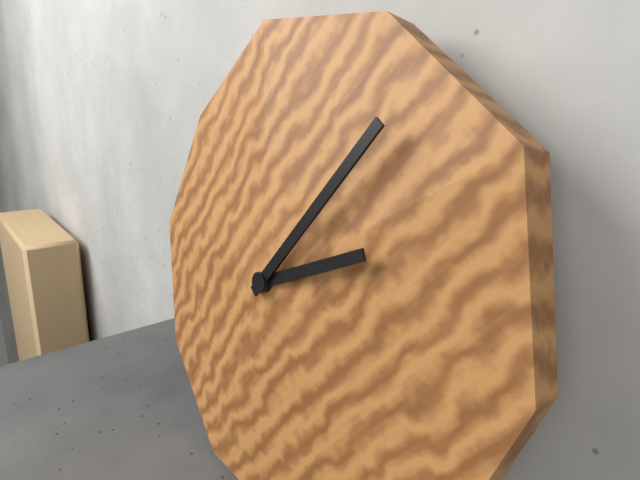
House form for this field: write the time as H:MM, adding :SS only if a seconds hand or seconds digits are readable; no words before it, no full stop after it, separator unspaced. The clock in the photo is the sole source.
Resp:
2:06
